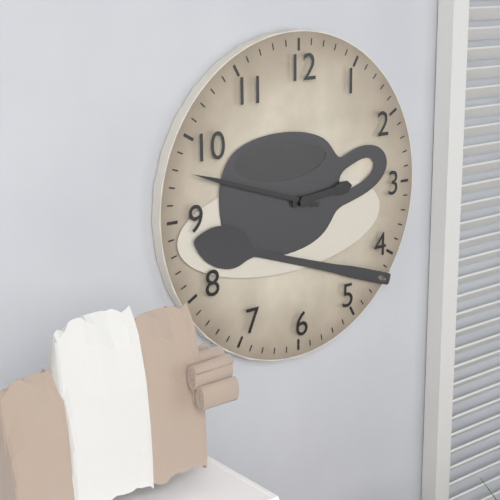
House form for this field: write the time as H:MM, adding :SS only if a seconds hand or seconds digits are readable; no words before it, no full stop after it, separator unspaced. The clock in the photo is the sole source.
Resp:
2:48
